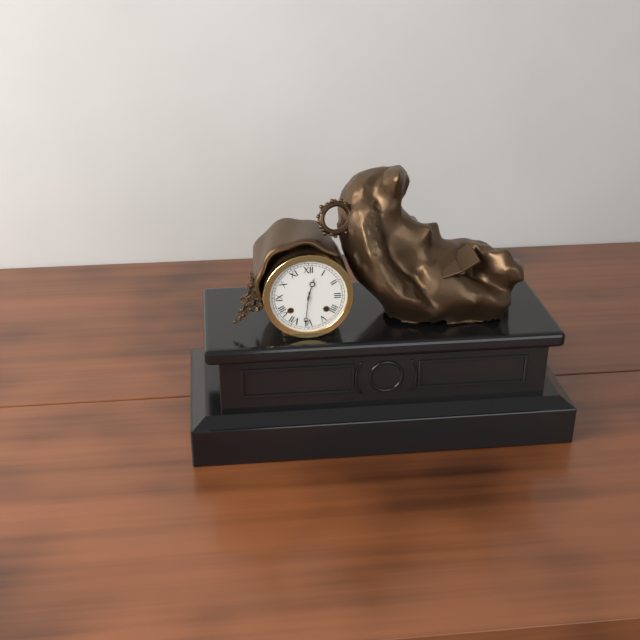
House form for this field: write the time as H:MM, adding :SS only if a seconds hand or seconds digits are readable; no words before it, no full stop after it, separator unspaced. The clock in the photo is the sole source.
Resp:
12:31
